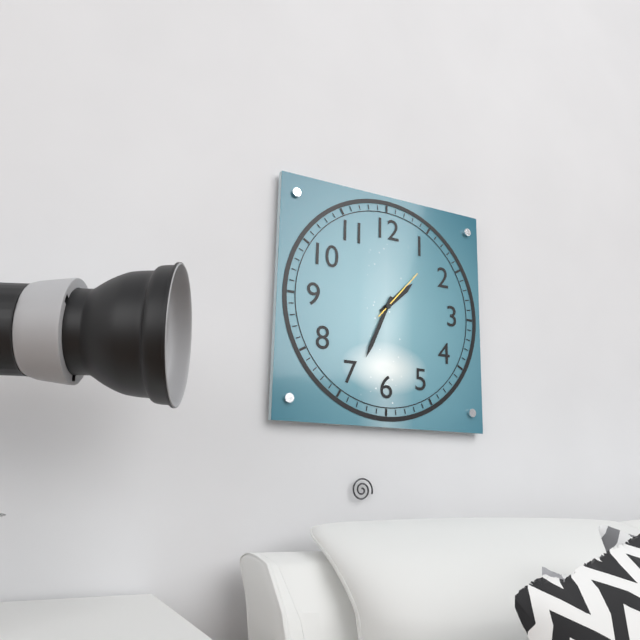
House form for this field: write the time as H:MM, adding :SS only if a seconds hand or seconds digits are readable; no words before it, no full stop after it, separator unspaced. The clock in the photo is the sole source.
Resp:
1:34:07
